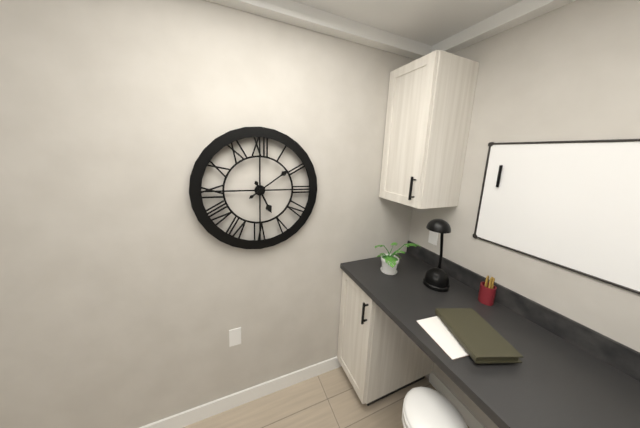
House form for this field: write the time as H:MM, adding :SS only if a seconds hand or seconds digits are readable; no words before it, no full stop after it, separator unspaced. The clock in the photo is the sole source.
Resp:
5:09
